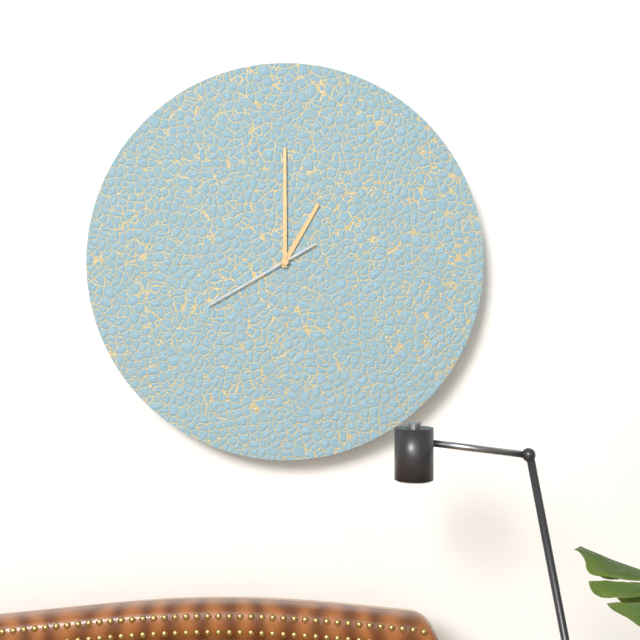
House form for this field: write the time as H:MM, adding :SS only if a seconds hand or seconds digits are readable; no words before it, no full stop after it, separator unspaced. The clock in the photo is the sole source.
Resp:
1:00:40
